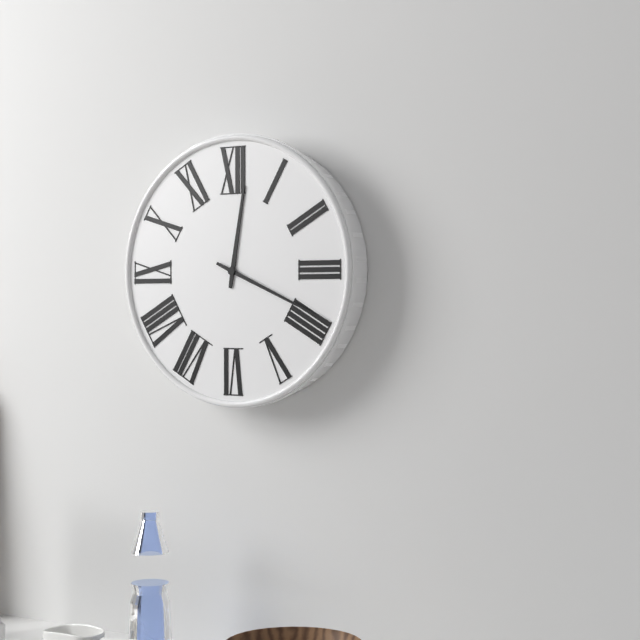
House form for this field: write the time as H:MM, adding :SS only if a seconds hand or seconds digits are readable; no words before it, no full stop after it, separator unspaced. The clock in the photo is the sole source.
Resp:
12:19
